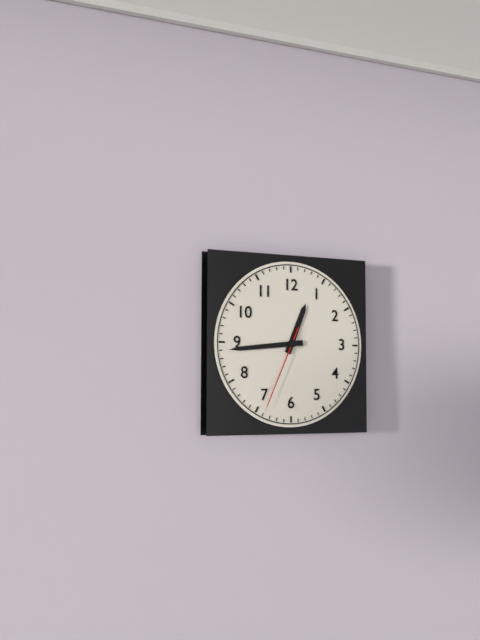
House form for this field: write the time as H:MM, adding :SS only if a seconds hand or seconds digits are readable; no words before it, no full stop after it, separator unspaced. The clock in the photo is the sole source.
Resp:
12:44:34
